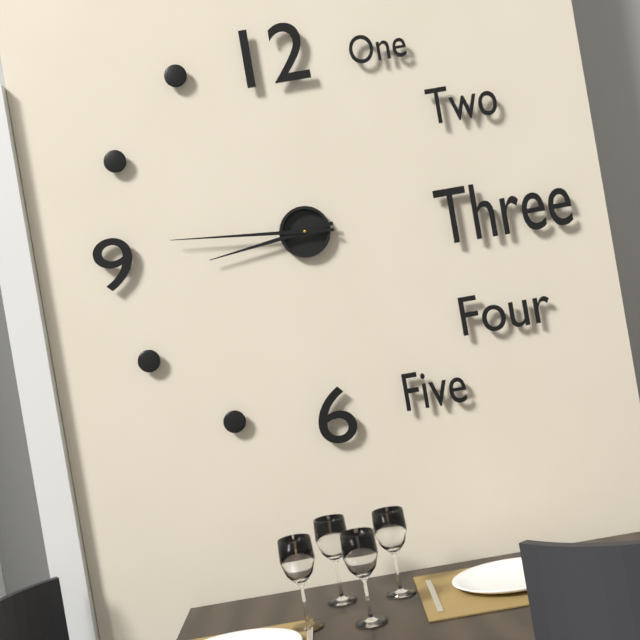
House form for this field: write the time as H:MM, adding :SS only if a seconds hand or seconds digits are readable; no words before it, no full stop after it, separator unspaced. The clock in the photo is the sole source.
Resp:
8:46
